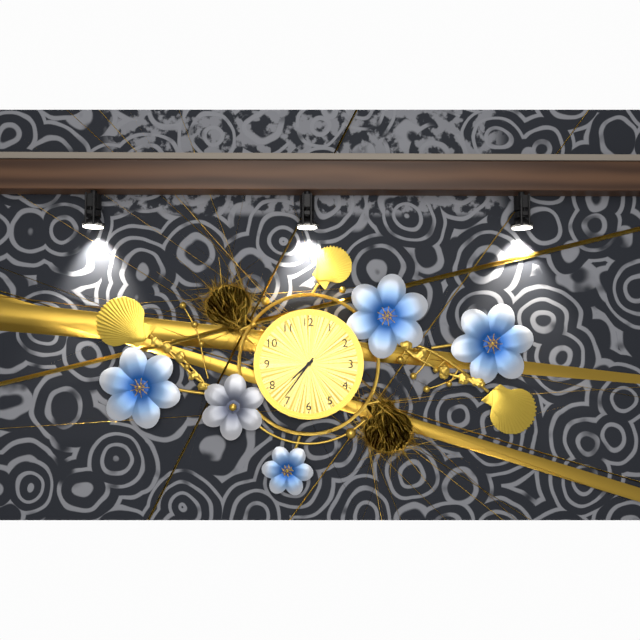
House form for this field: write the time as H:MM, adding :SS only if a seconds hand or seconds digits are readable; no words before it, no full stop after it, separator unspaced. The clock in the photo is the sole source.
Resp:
7:36
